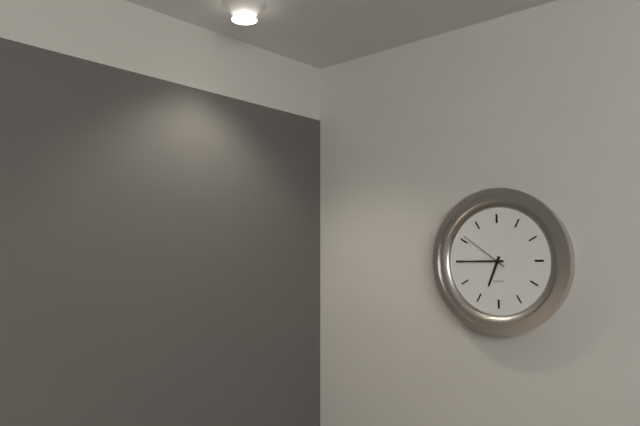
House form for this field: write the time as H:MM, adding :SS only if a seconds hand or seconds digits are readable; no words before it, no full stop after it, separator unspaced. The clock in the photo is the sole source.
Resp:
6:45:51
